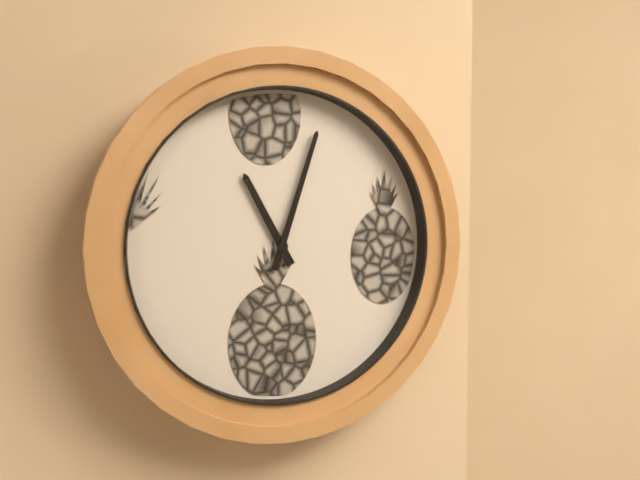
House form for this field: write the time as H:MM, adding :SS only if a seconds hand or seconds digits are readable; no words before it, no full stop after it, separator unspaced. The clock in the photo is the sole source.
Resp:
11:03
